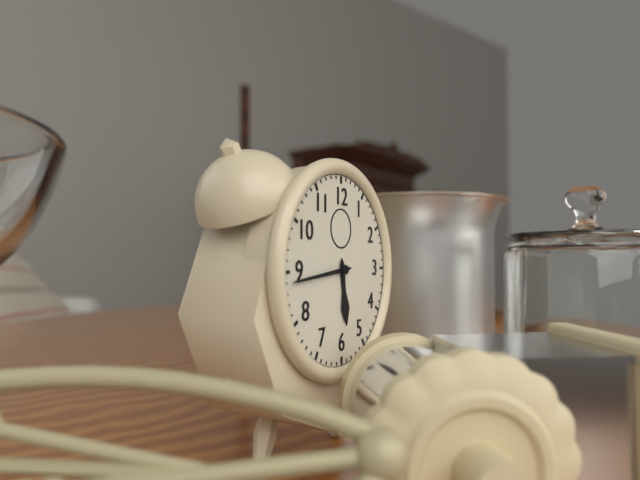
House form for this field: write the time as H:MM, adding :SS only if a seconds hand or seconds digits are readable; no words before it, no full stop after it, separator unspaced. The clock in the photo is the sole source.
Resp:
5:44
